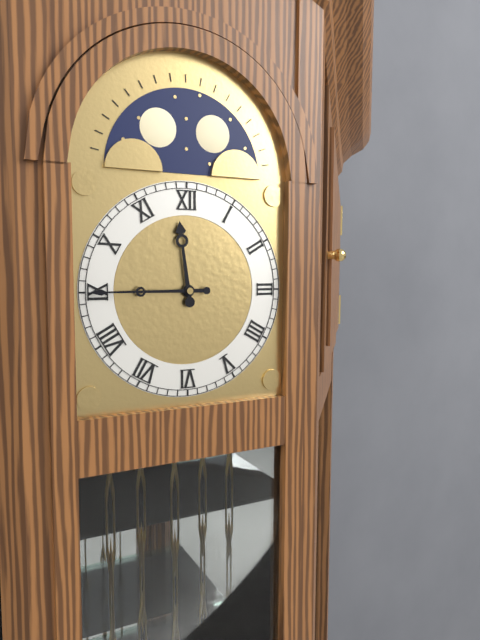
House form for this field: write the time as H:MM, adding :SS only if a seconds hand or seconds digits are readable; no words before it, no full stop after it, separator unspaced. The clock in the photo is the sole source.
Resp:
11:45
